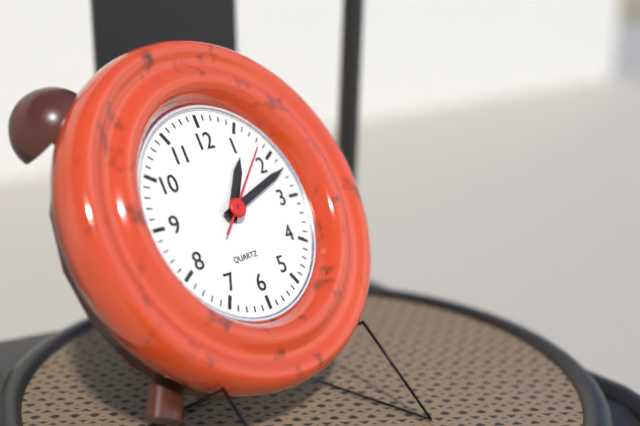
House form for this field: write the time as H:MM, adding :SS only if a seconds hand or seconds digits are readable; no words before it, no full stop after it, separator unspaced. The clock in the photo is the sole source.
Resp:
1:12:08
